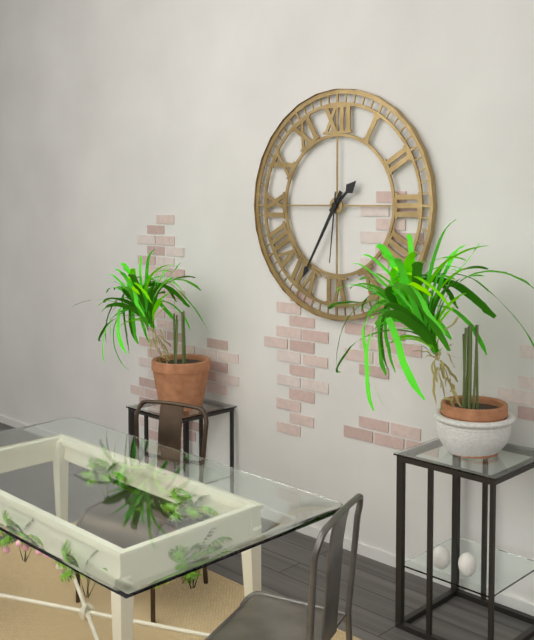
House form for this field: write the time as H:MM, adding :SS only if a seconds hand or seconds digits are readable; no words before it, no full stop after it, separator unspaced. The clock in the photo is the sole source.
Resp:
1:35:31
